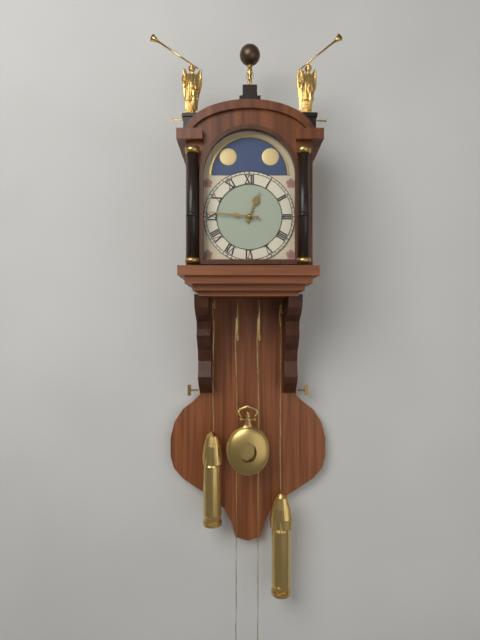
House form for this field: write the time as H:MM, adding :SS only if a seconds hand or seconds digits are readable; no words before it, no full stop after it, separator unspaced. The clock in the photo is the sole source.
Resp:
12:46
